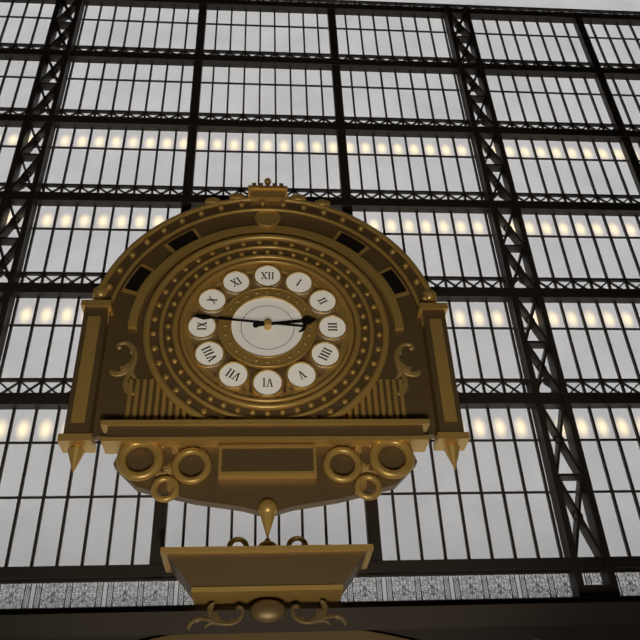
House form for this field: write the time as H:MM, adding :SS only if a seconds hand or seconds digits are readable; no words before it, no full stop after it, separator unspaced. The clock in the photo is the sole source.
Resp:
2:46
